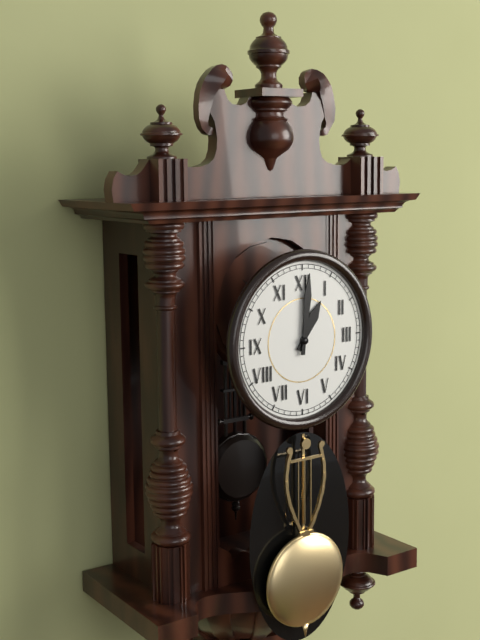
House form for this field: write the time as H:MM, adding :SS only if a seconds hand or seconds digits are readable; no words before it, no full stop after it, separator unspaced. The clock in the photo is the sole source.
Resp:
1:01
